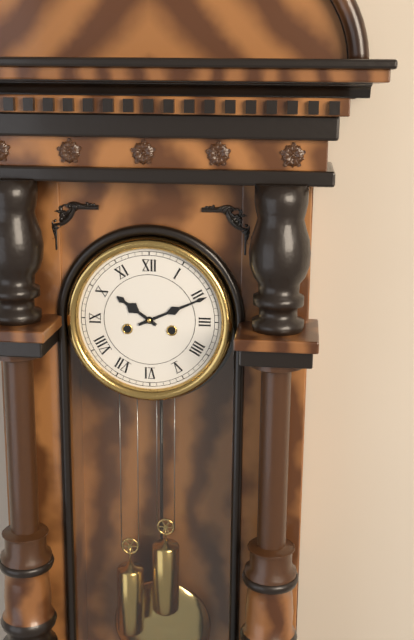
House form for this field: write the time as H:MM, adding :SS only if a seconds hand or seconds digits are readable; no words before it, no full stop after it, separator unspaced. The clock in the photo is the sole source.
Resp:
10:11
